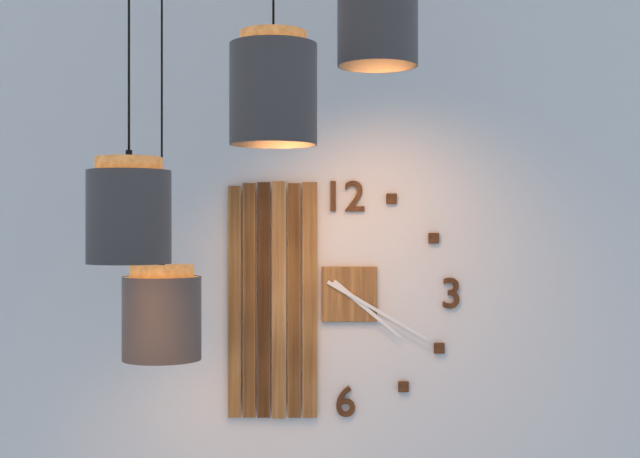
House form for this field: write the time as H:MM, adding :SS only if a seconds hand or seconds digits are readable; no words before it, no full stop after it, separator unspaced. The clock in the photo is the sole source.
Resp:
4:20
